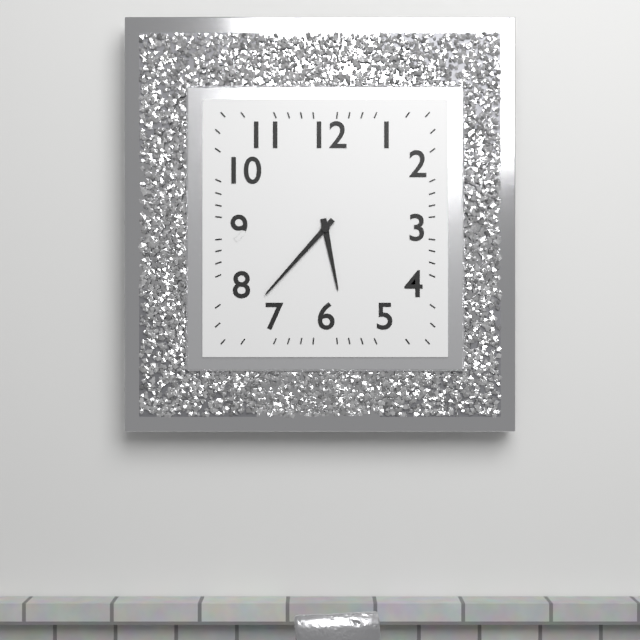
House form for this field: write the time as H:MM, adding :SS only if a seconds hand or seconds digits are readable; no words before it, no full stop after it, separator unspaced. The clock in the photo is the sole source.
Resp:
5:37
